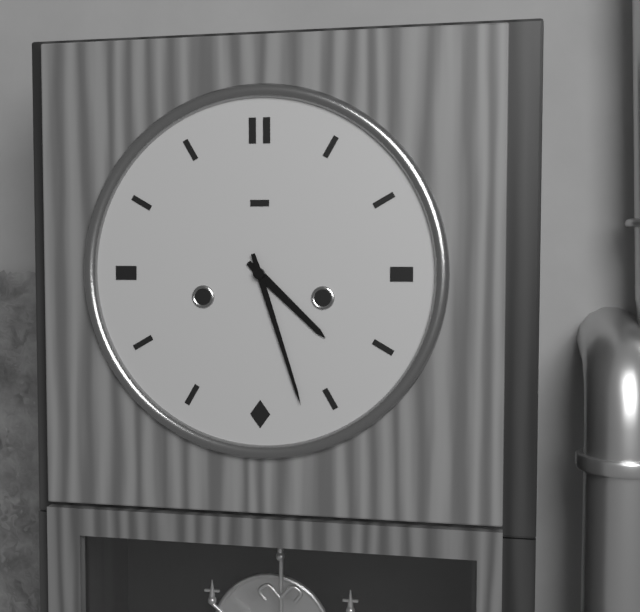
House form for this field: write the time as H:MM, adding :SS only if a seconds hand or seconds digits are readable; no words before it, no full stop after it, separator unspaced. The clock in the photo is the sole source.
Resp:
4:27
